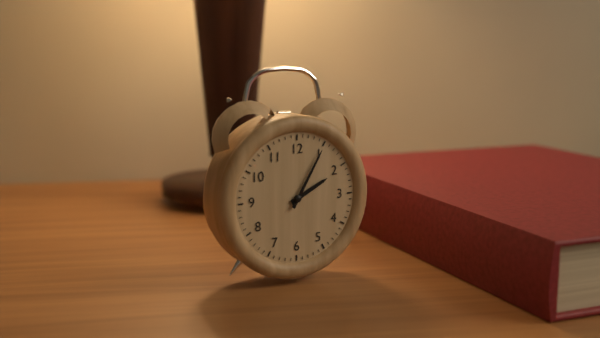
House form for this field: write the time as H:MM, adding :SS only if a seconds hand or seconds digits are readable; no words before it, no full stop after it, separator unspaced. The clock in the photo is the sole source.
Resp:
2:05
